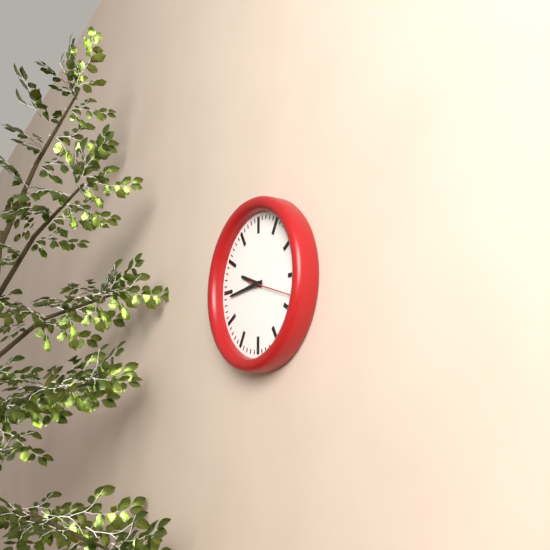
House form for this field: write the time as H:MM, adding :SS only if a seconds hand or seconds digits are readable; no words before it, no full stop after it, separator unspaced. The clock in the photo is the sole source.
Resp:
9:44
